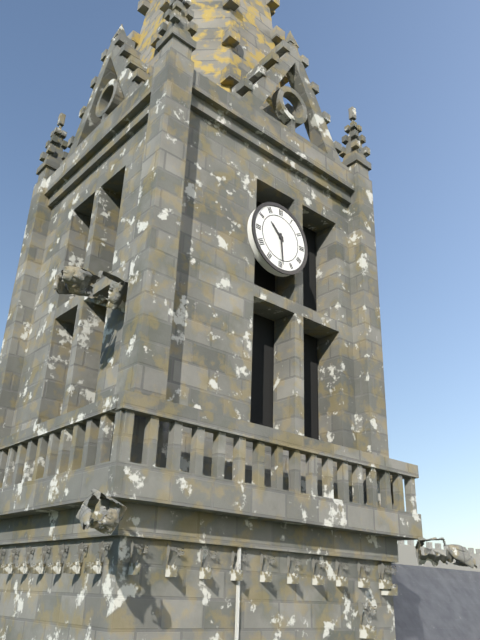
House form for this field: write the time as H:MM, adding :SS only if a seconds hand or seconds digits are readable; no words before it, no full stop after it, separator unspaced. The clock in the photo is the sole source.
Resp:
10:29
